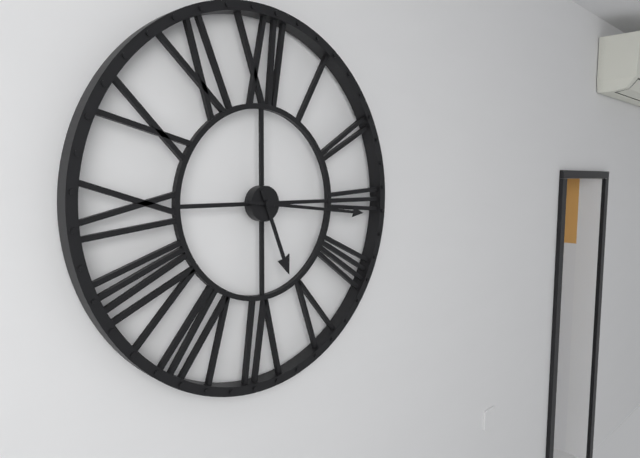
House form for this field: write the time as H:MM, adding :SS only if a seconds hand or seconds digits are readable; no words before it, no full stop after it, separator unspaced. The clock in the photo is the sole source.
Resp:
5:16
